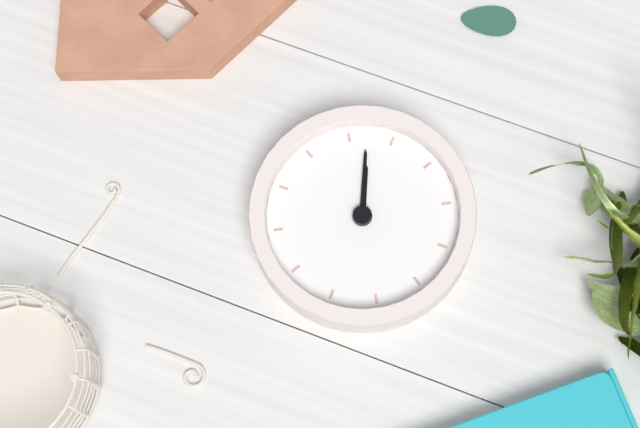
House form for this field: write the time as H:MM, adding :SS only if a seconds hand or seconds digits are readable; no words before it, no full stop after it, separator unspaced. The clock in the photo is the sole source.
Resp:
5:27
